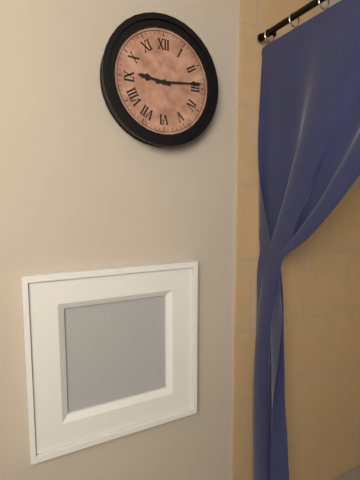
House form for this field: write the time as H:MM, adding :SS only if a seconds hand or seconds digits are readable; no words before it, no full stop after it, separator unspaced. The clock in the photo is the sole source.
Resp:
9:14
